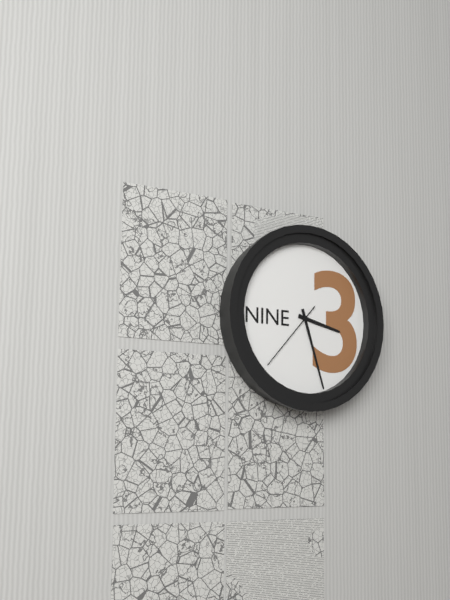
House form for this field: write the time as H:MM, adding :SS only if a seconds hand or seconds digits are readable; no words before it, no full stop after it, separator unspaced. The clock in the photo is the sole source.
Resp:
3:27:37
